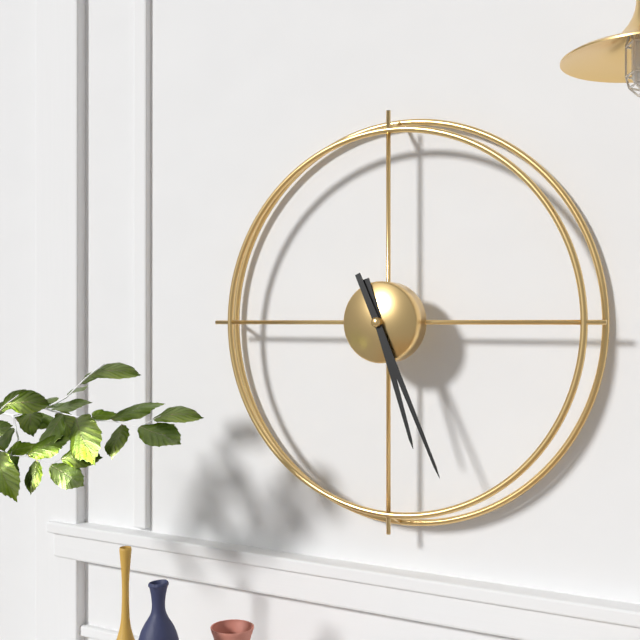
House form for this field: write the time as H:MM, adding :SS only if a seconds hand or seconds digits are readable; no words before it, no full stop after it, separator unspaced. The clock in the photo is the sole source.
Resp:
5:26
